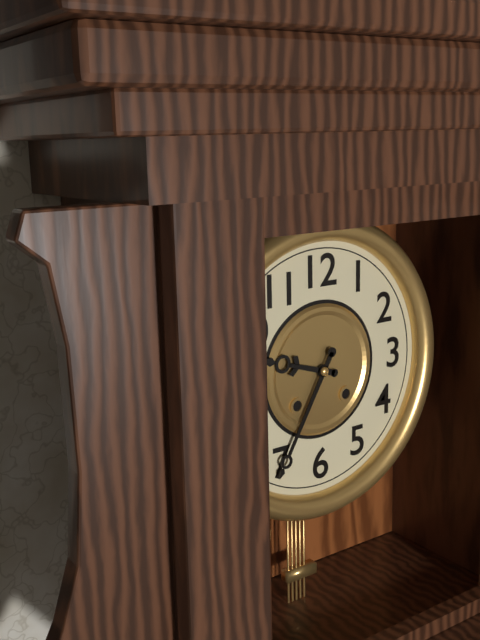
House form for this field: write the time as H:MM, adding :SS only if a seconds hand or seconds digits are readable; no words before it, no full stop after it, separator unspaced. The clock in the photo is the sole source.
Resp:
9:35
